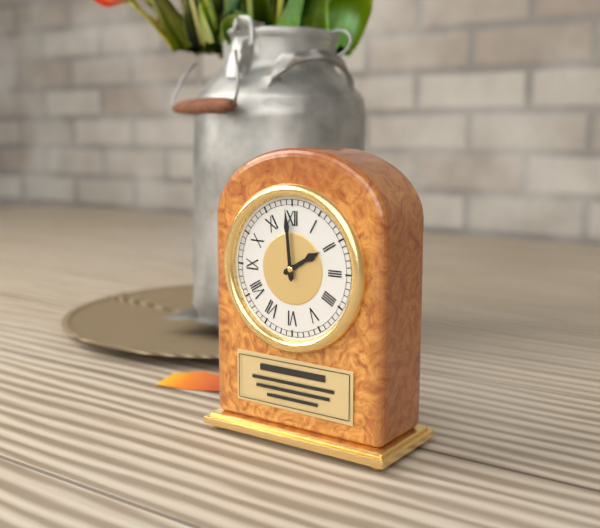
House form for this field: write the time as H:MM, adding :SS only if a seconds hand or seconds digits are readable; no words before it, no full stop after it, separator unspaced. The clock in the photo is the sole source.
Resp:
1:59
